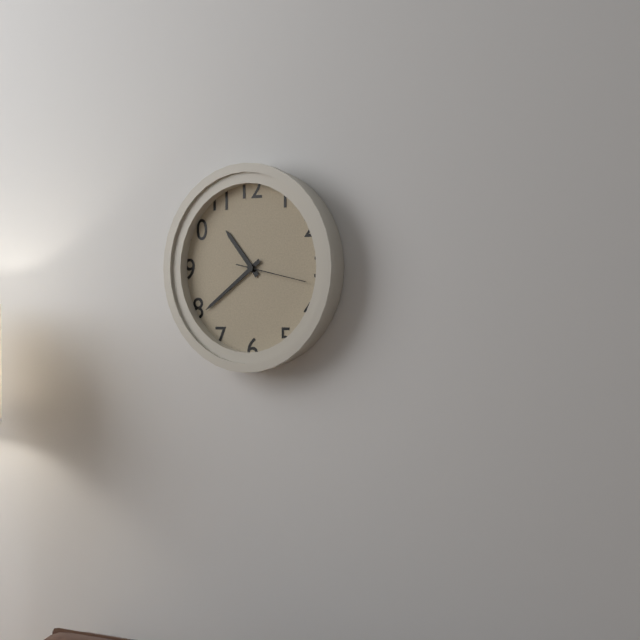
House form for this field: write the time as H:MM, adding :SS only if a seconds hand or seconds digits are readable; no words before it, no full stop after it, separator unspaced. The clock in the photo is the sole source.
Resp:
10:39:17
